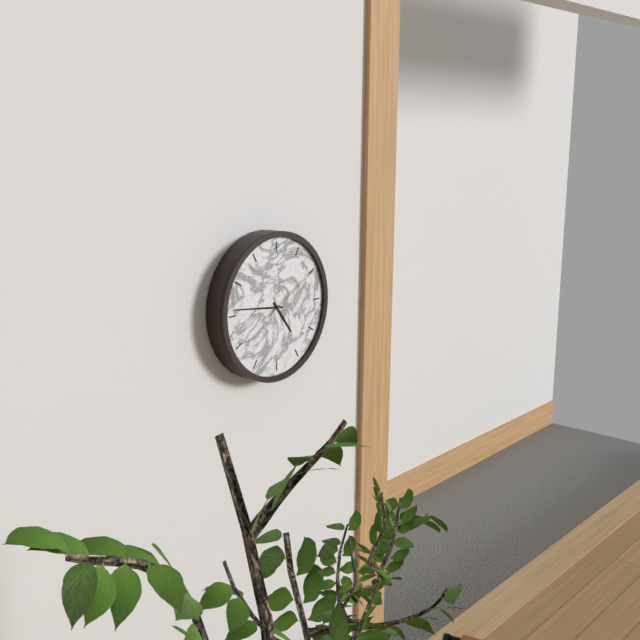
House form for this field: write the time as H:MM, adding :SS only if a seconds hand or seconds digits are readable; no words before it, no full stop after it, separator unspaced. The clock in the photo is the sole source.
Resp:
4:46:10
